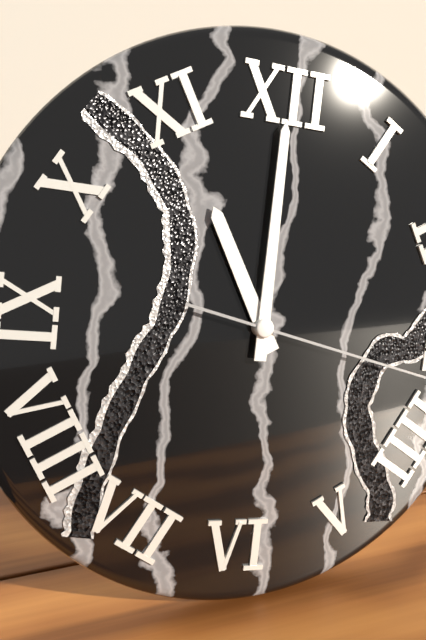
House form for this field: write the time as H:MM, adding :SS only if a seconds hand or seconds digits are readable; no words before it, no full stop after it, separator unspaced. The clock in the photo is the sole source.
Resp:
11:00
